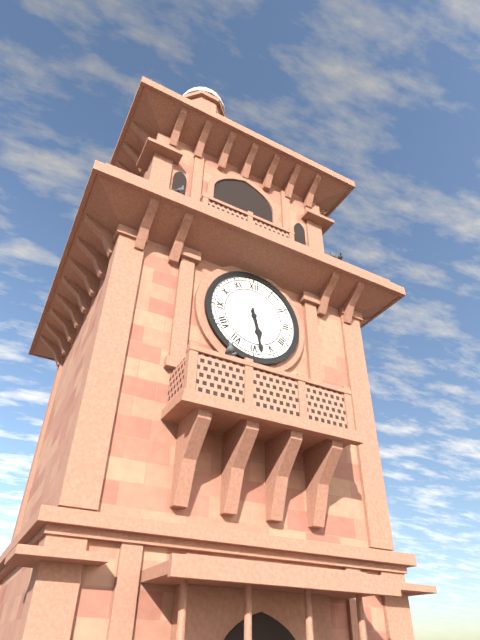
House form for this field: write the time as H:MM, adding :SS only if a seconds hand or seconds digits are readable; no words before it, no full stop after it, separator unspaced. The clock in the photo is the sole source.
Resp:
5:28
